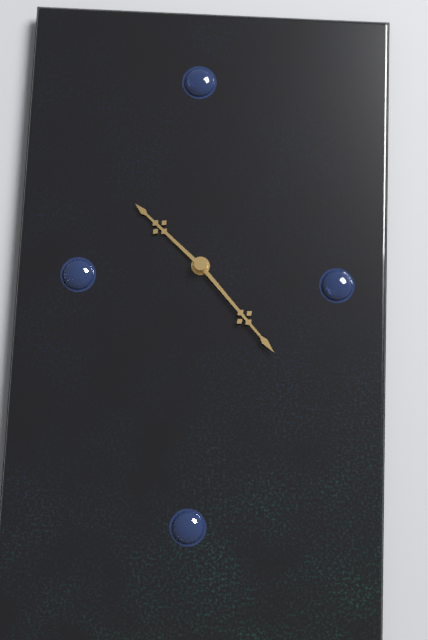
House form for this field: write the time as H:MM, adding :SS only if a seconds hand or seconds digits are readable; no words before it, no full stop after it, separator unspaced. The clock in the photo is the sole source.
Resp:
10:23
